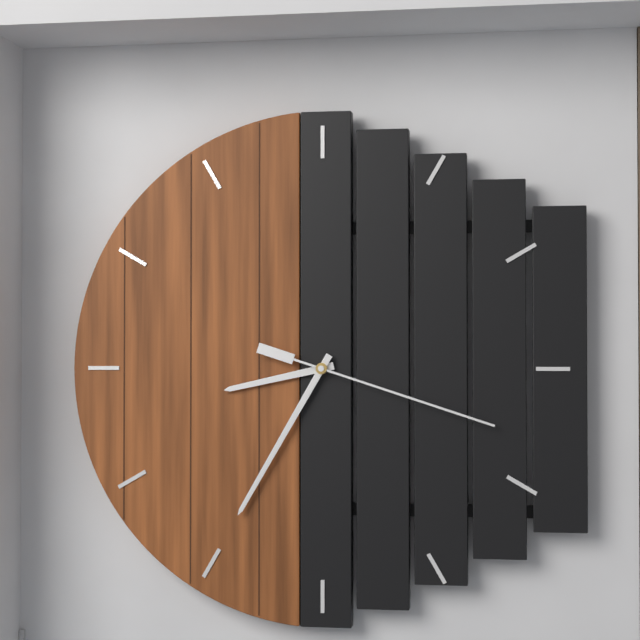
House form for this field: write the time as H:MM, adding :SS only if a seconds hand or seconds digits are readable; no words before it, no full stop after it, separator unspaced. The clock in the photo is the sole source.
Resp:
8:35:18
